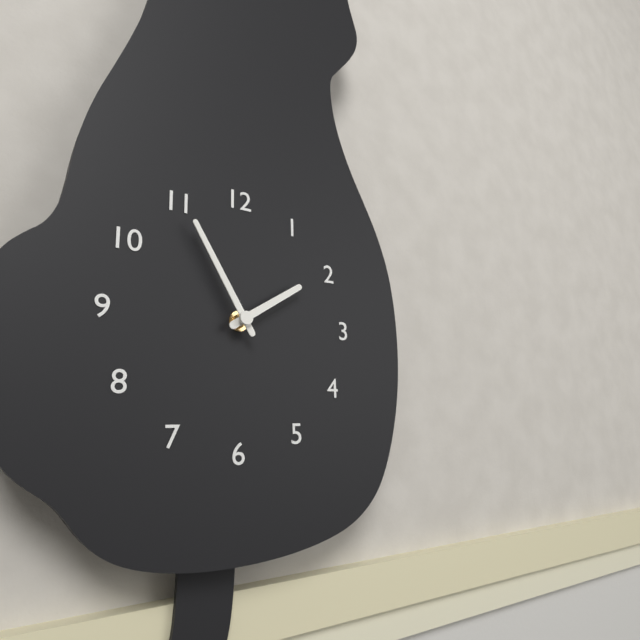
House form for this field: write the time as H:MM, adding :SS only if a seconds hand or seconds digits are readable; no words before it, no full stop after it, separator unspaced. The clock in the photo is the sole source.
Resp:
1:55
